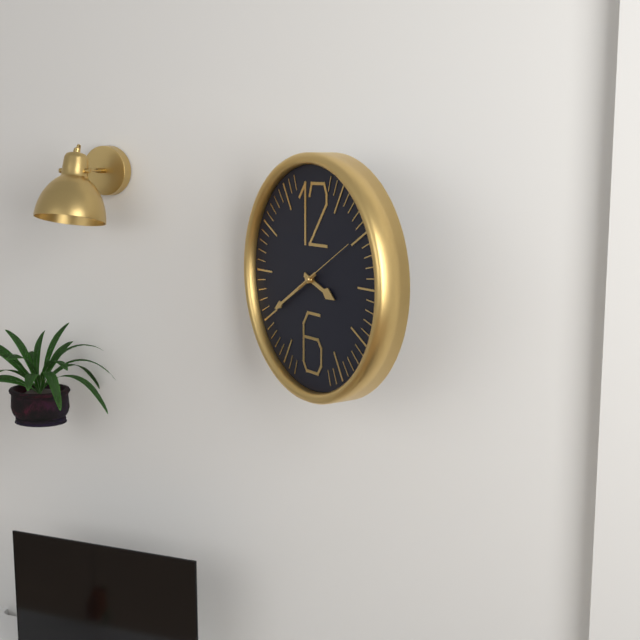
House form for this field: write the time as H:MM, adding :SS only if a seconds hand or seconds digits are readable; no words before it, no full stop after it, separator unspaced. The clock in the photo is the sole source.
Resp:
3:40:10
